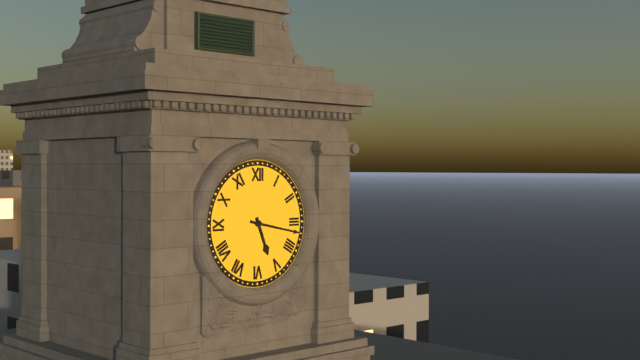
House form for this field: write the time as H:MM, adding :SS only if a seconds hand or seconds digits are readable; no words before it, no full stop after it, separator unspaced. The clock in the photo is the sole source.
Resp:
5:17
